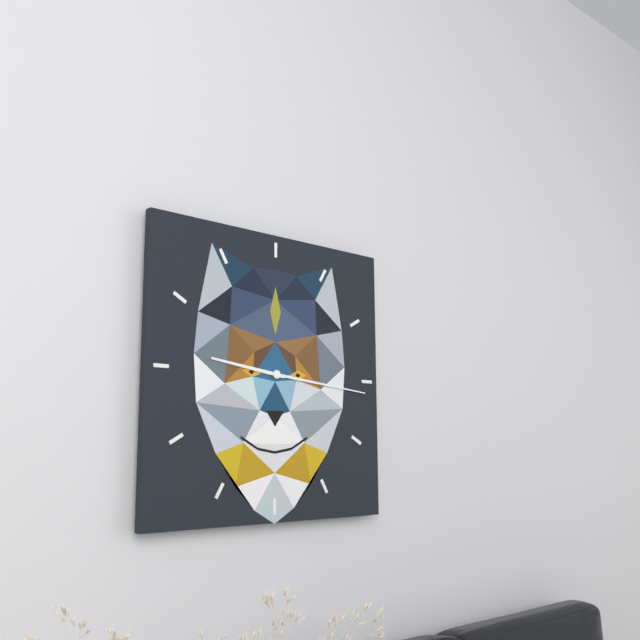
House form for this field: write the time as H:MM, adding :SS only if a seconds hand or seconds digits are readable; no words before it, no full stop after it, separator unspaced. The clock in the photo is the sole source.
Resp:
9:16
